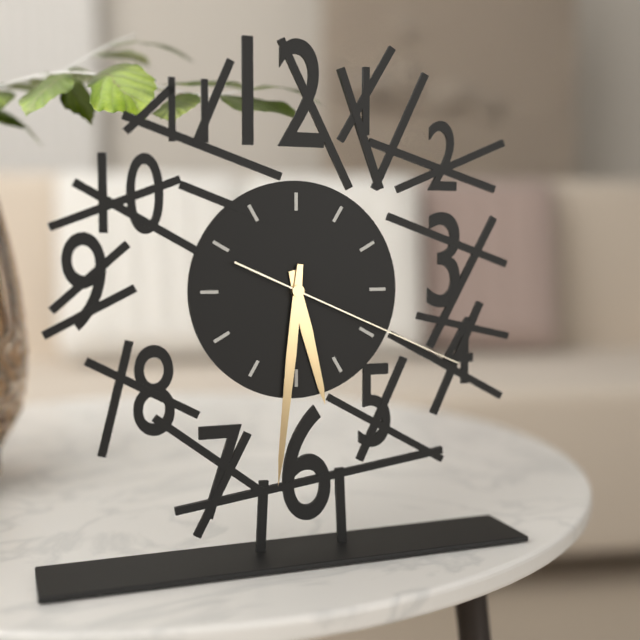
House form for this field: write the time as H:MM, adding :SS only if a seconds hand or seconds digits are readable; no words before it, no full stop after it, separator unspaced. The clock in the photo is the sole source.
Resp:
5:31:19
